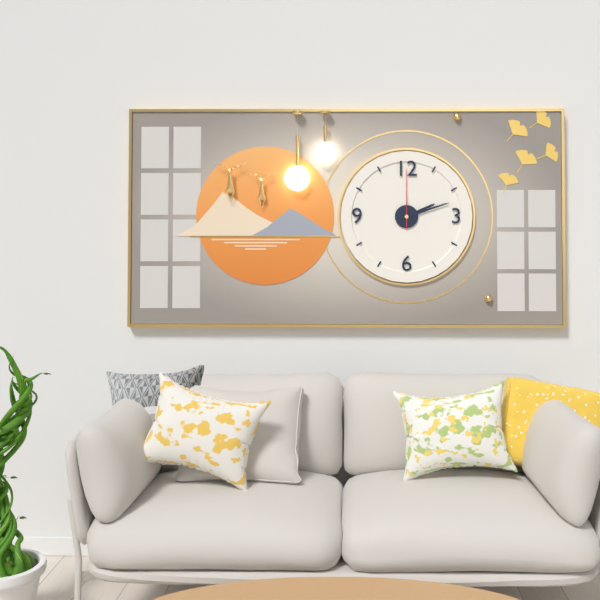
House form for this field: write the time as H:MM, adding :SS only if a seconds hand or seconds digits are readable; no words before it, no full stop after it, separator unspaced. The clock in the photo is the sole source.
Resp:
2:12:00
